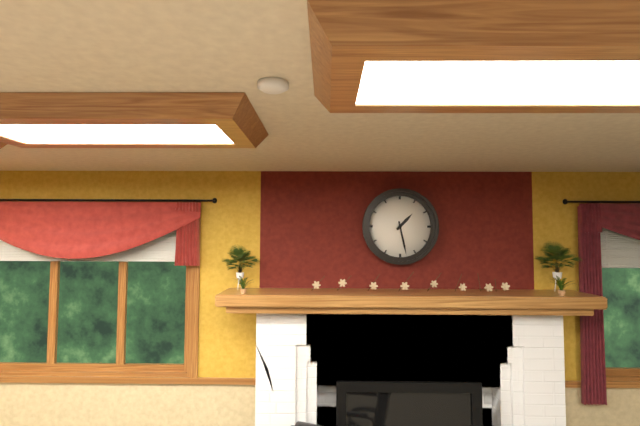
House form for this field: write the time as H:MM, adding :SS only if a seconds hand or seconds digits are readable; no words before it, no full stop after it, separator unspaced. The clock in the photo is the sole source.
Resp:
1:28
